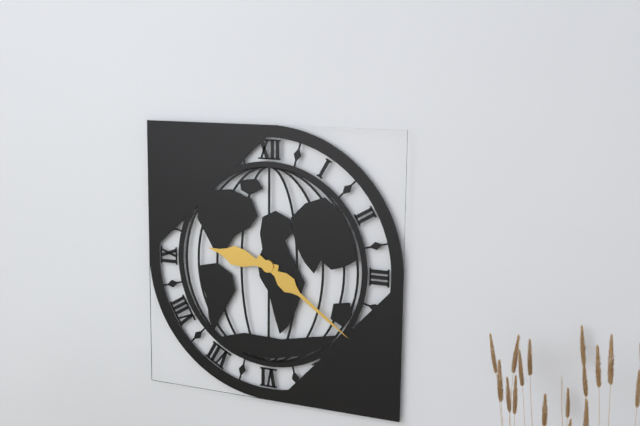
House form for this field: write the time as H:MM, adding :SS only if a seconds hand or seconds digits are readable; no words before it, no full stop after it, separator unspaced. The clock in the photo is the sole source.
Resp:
9:21
